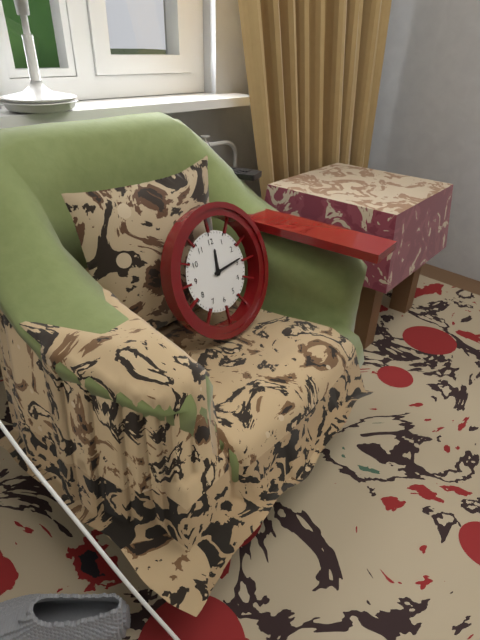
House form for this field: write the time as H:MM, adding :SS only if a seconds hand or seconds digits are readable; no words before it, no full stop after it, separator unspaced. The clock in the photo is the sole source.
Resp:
12:14
